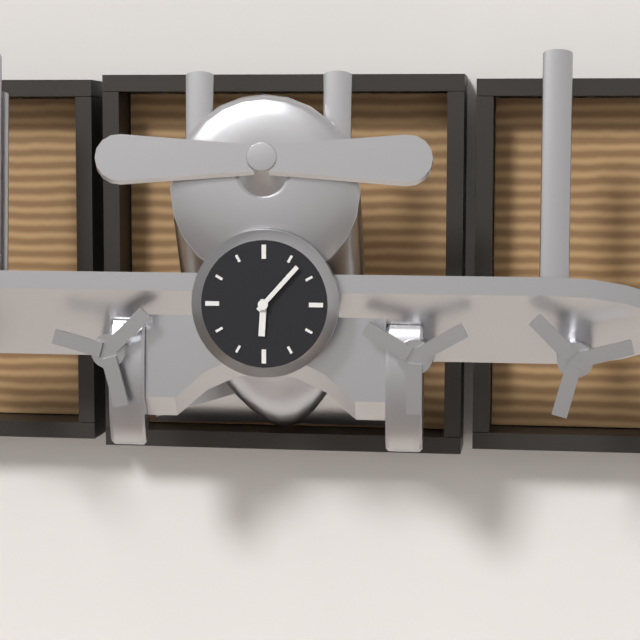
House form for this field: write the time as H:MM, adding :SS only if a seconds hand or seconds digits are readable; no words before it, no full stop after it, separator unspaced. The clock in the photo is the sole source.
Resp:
6:07
